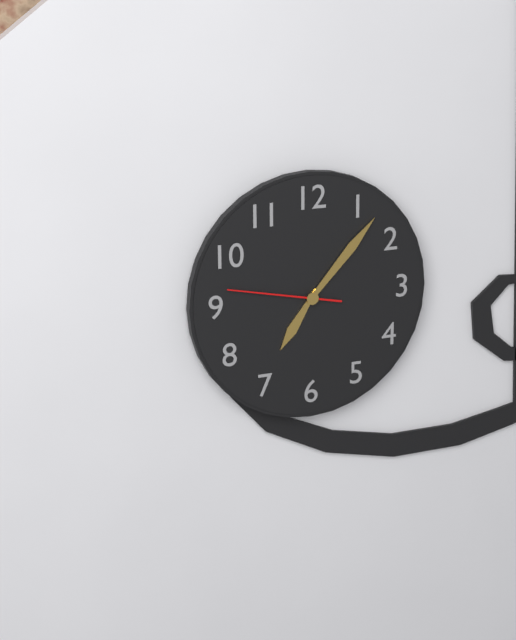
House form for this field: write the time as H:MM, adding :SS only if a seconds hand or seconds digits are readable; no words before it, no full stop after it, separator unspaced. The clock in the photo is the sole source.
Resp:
7:07:47
